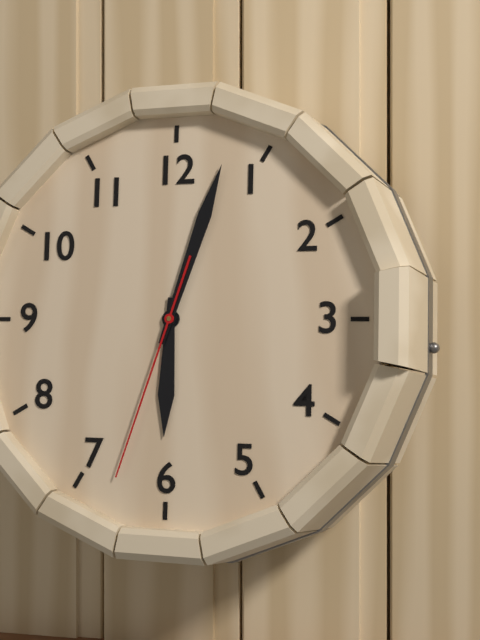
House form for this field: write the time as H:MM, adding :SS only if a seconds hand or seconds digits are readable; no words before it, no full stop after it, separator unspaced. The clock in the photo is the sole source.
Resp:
6:03:33
